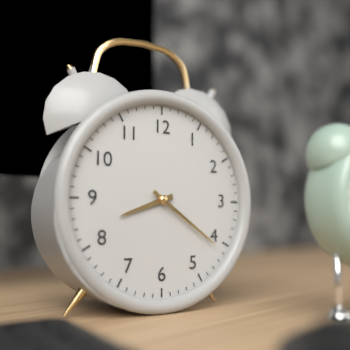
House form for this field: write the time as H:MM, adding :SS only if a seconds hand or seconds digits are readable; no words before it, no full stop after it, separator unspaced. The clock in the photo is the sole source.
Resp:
8:21
